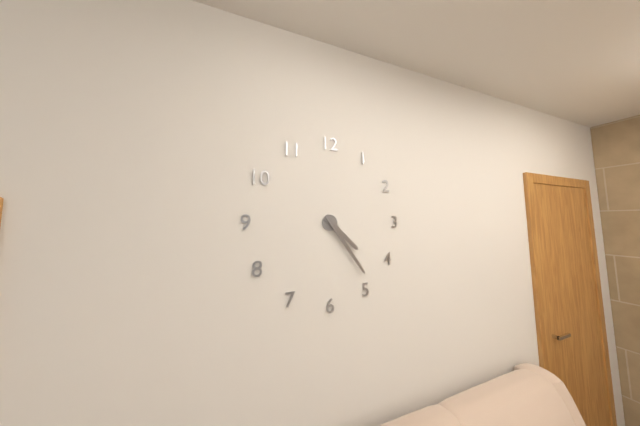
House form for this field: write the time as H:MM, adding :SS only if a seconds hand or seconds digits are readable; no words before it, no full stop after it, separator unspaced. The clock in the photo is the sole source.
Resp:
4:24
